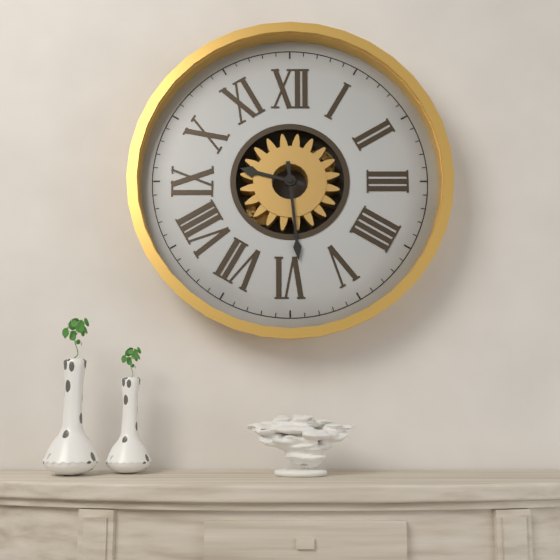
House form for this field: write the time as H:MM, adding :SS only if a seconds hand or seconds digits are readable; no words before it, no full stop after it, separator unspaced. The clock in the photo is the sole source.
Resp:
9:29
